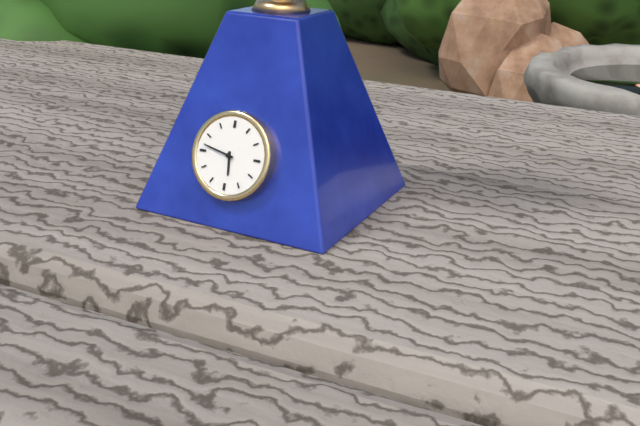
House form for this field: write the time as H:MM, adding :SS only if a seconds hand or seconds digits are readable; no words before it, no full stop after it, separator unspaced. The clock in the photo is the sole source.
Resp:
5:47
